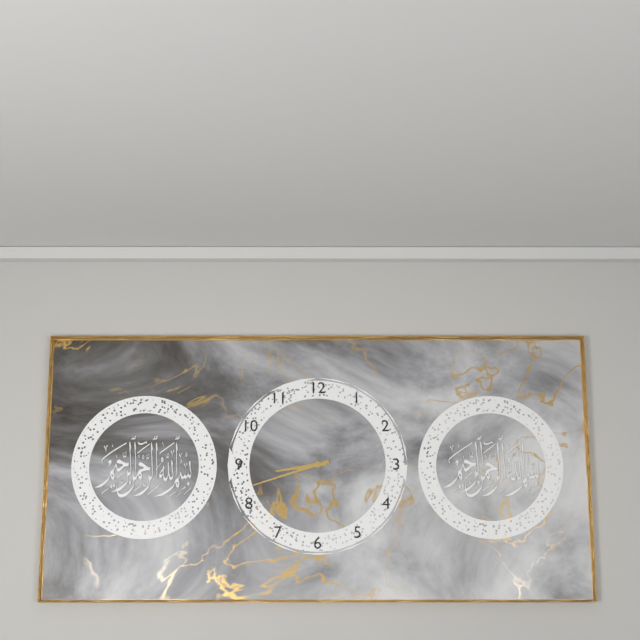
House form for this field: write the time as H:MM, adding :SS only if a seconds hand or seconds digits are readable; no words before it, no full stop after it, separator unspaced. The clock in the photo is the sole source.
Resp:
8:42
